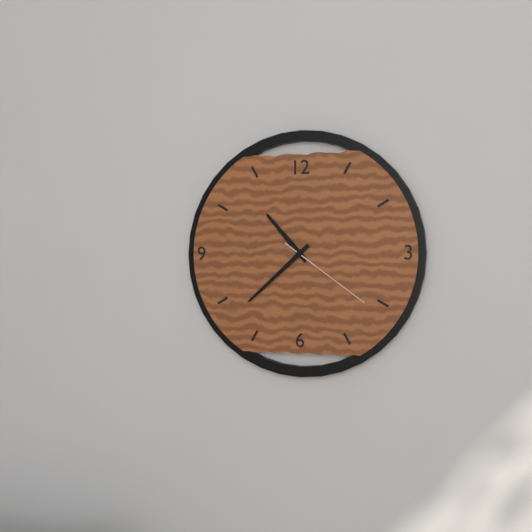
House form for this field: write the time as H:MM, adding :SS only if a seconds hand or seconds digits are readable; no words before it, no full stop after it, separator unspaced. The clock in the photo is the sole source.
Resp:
10:38:21
